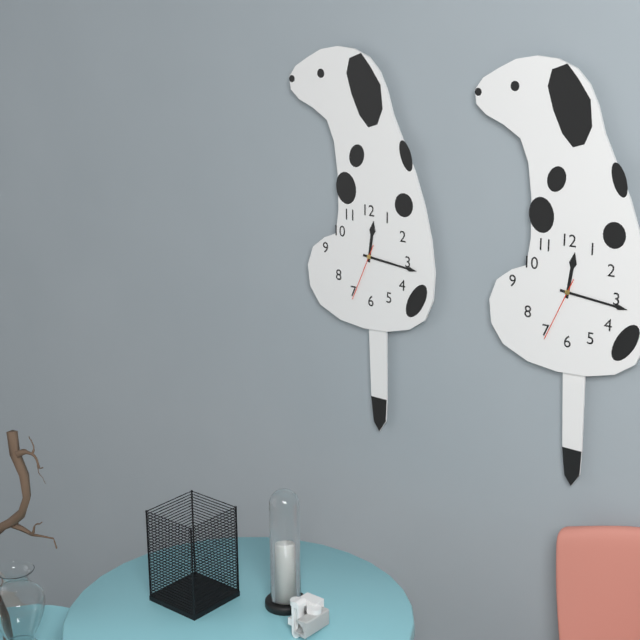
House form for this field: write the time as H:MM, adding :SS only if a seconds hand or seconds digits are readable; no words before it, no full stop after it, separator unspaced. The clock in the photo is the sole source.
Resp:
12:16:34
